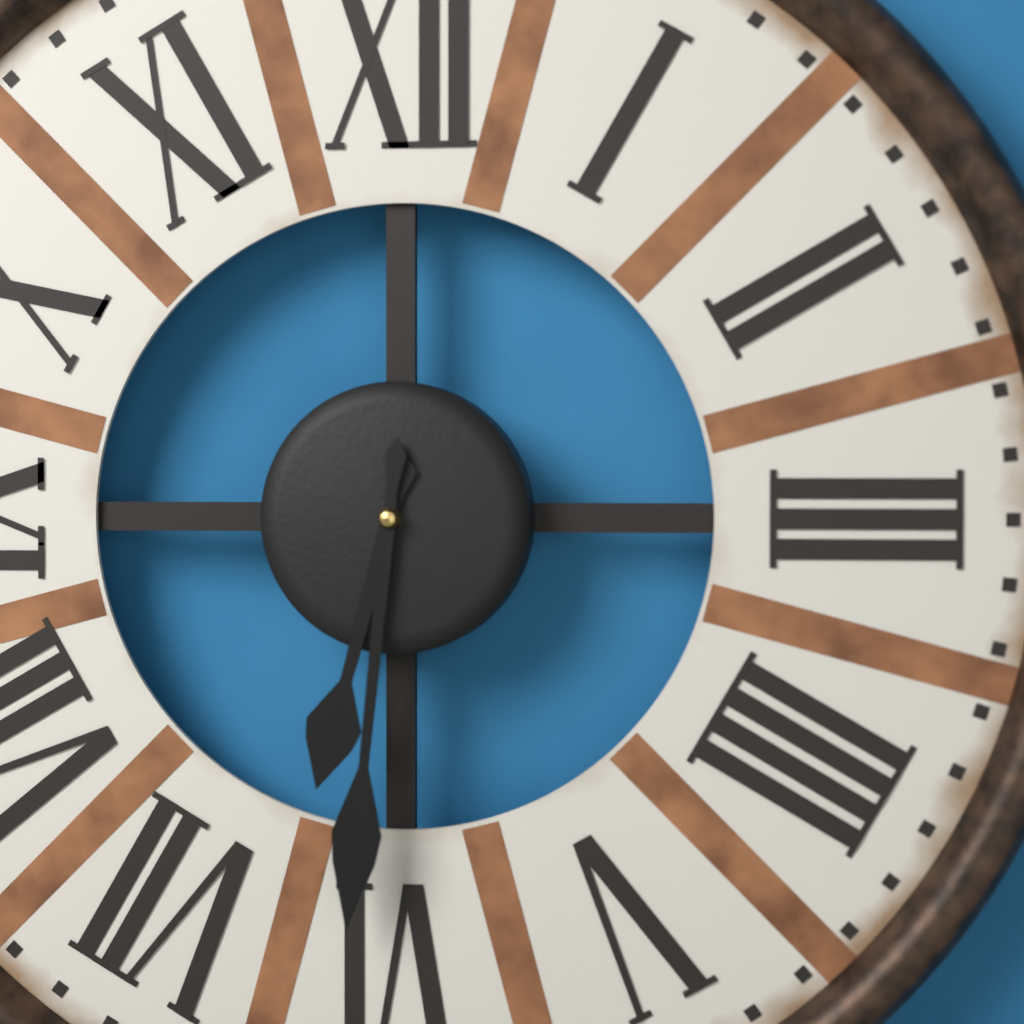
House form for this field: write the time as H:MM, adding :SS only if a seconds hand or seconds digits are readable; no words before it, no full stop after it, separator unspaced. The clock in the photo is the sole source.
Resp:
6:31
